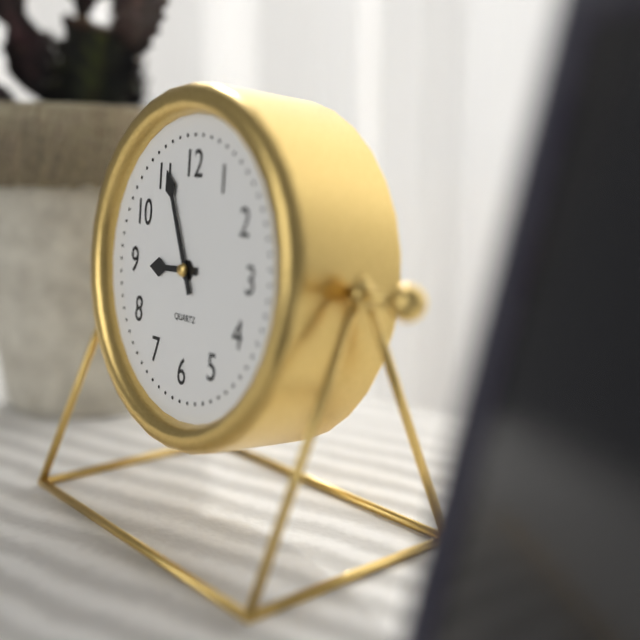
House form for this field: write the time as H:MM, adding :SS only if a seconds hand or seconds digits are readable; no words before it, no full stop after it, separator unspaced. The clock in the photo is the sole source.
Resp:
8:56
